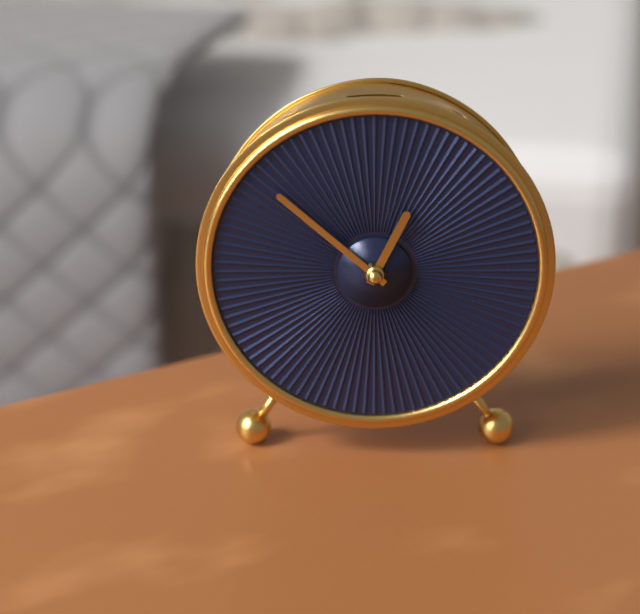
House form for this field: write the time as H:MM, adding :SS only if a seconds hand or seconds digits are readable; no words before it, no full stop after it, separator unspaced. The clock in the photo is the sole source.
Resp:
12:52
